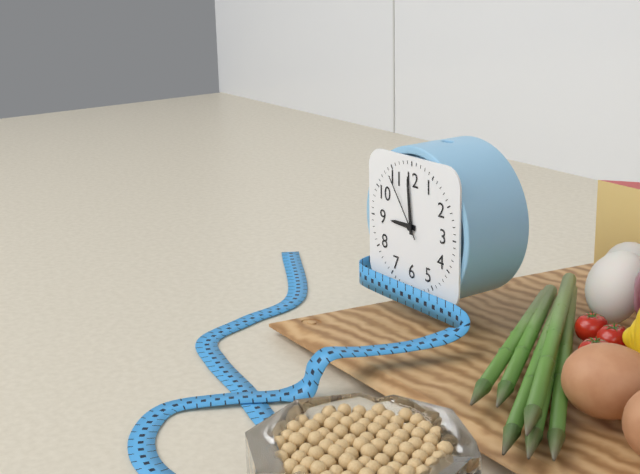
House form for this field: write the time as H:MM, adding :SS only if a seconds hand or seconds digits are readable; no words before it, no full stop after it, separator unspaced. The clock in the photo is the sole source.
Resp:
8:59:54
